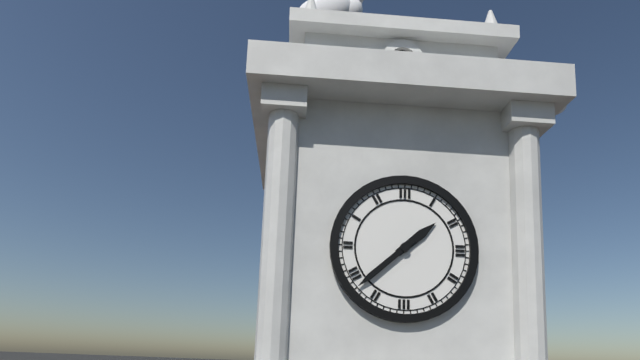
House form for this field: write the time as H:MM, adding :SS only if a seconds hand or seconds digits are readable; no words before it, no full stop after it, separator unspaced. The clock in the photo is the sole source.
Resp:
1:38
